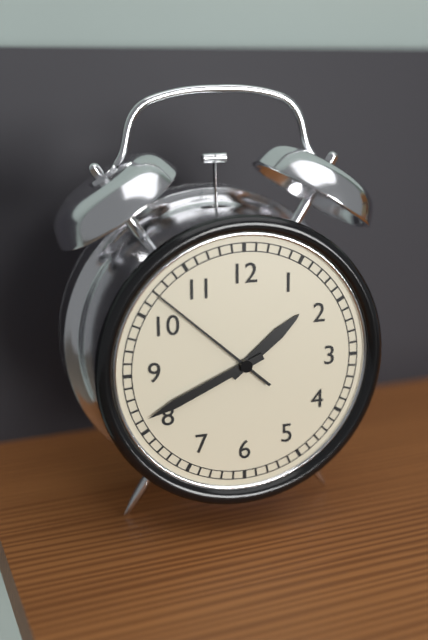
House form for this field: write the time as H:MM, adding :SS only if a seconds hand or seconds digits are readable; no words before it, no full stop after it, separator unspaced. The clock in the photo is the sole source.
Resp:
1:41:52
